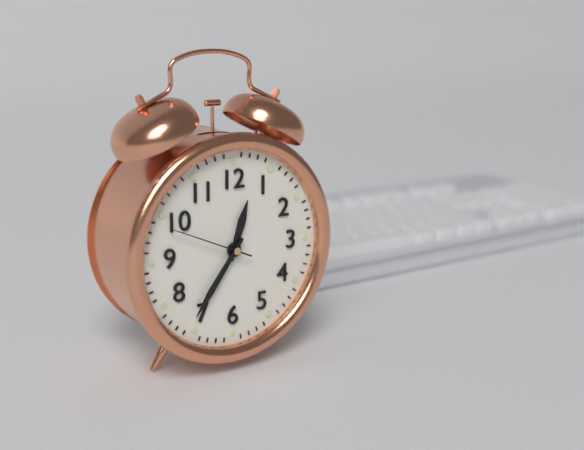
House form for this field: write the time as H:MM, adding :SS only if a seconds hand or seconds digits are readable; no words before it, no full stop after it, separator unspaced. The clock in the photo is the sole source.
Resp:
12:36:49
